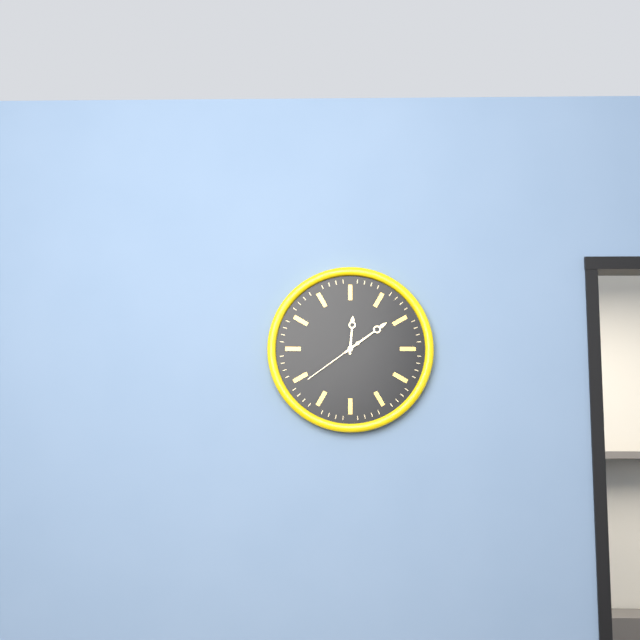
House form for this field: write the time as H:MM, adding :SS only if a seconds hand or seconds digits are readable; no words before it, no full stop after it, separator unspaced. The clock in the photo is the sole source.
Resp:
12:09:39
